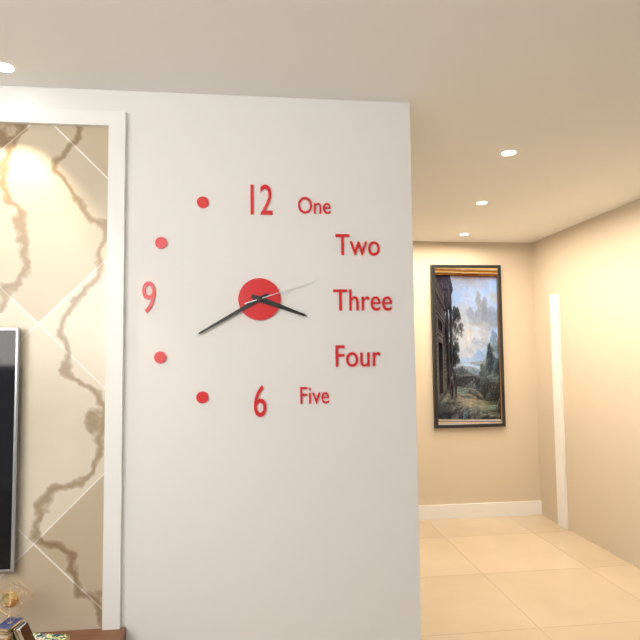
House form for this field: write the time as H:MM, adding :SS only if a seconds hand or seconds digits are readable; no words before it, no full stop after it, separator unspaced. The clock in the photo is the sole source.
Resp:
3:40:12
